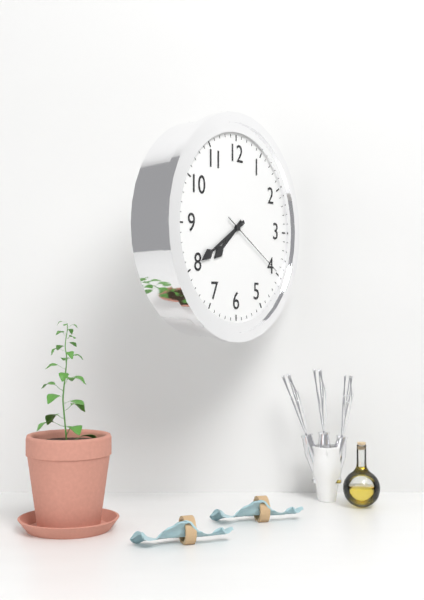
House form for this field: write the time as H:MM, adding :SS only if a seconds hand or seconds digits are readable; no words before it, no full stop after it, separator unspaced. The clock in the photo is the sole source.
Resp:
7:40:20
